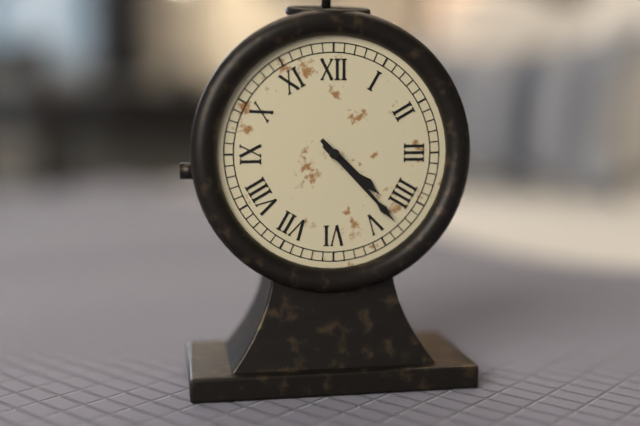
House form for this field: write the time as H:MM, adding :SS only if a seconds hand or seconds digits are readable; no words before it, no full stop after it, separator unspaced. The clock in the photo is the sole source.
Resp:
4:23
